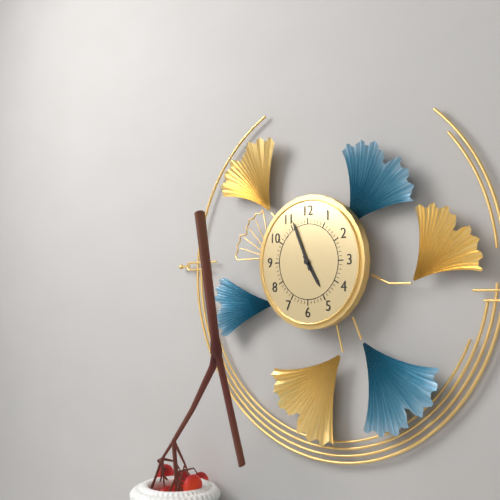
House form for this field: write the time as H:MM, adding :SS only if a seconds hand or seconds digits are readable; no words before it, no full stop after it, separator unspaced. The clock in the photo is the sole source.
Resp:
4:56
